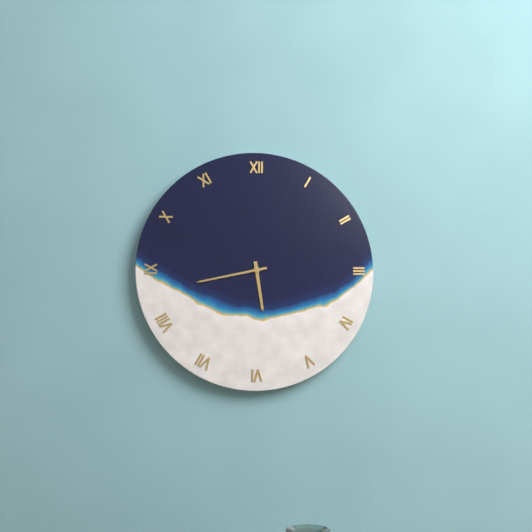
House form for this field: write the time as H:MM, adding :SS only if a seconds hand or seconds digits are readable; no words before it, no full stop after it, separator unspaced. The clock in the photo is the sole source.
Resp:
5:43
